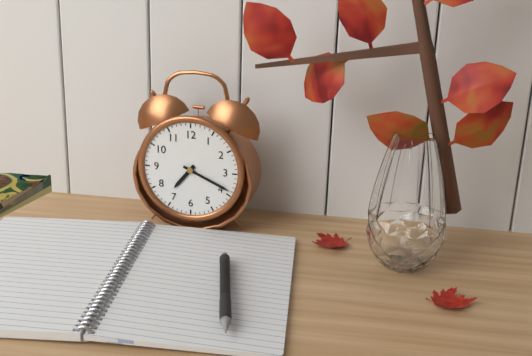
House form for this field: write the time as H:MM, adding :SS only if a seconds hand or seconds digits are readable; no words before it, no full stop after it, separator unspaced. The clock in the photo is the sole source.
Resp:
7:19
